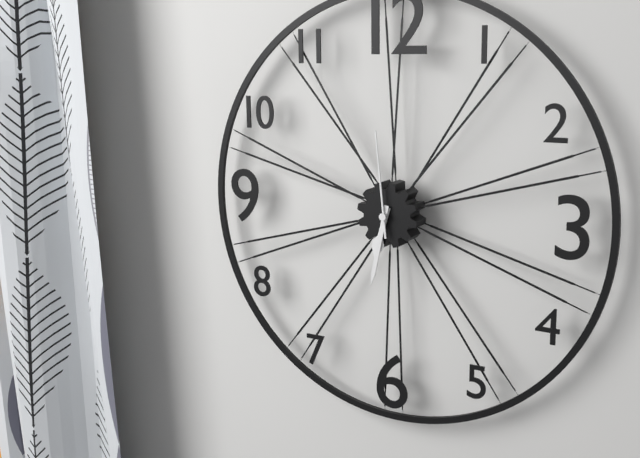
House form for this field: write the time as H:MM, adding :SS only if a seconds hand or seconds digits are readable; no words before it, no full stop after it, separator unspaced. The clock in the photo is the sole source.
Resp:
6:32:59
